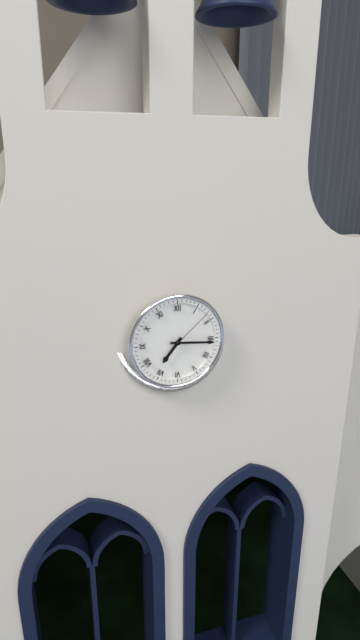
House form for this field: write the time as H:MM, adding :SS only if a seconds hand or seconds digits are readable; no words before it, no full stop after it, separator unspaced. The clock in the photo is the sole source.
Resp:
7:16:08
